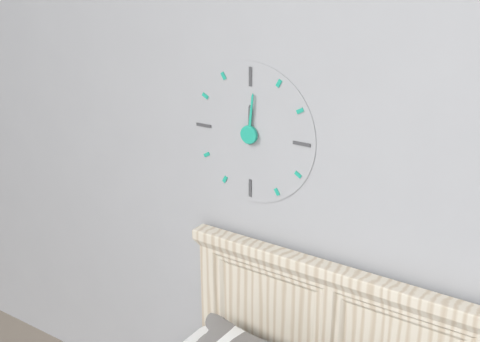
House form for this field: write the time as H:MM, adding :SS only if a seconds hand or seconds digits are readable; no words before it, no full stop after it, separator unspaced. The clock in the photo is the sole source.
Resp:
12:01
